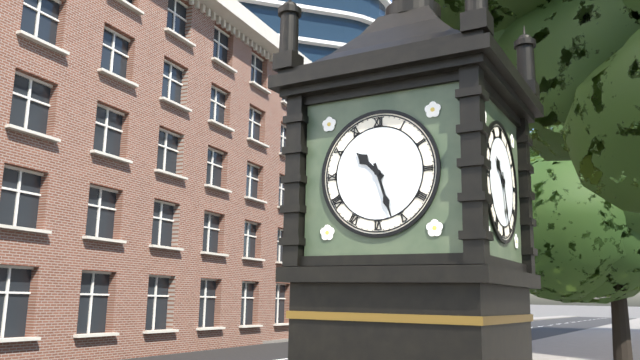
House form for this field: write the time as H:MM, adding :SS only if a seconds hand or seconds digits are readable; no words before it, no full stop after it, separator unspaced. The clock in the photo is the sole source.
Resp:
10:27
